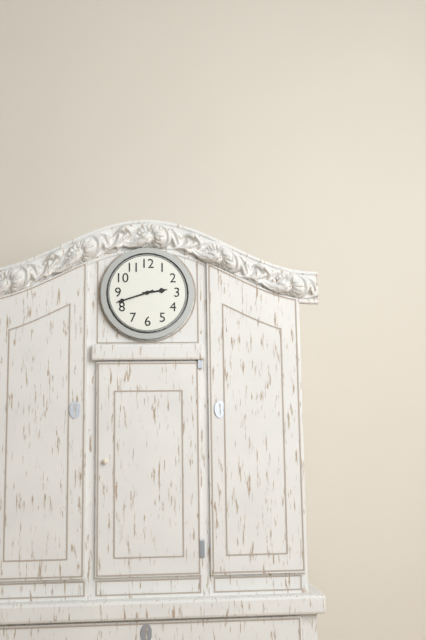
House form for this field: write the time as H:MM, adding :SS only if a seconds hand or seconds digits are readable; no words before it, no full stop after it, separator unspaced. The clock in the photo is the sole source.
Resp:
2:42
